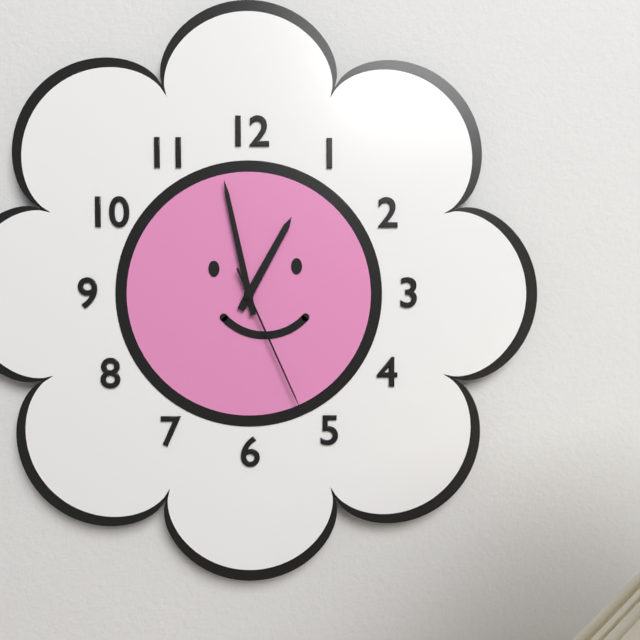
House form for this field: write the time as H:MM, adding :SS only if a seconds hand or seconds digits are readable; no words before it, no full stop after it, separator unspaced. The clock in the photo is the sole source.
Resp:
12:58:26
